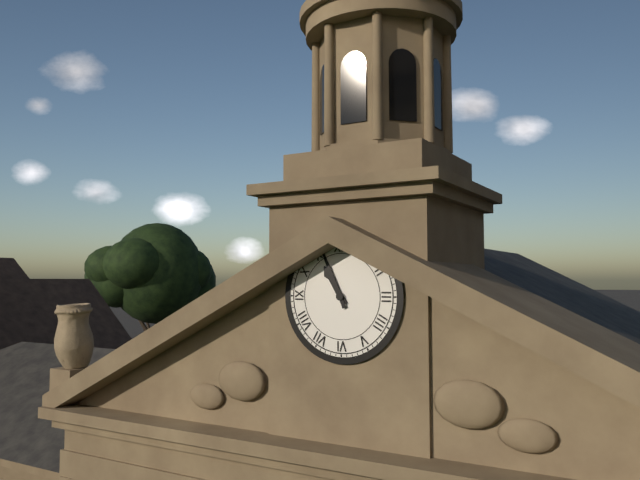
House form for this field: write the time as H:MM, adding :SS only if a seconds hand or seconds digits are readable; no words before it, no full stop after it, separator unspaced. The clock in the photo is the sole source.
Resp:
10:56
